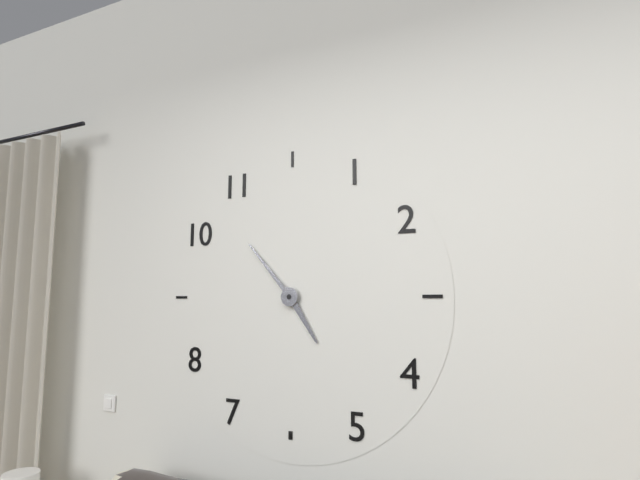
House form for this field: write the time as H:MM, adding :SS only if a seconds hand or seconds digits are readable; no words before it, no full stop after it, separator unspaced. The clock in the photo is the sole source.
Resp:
4:53
